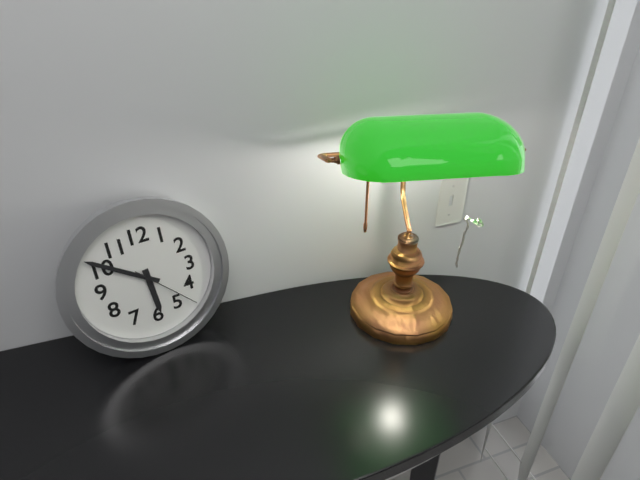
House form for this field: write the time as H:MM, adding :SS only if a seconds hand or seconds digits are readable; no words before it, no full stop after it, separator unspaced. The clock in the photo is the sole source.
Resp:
5:51:23
